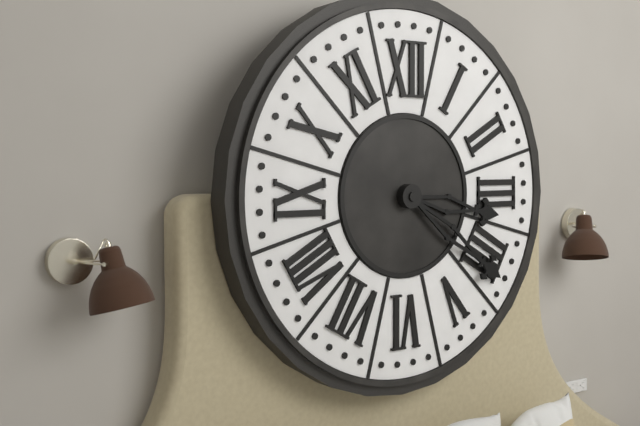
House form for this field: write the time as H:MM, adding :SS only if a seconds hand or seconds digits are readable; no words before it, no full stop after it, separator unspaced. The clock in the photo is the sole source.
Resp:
3:21
